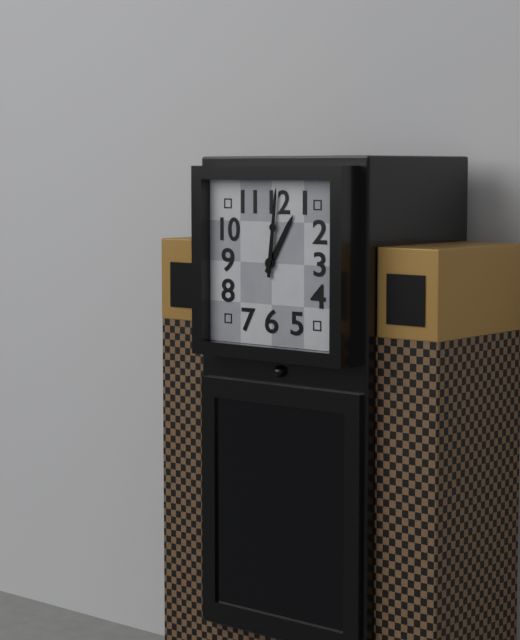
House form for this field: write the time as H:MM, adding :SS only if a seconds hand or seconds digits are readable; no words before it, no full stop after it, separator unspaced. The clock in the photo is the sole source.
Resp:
1:01
